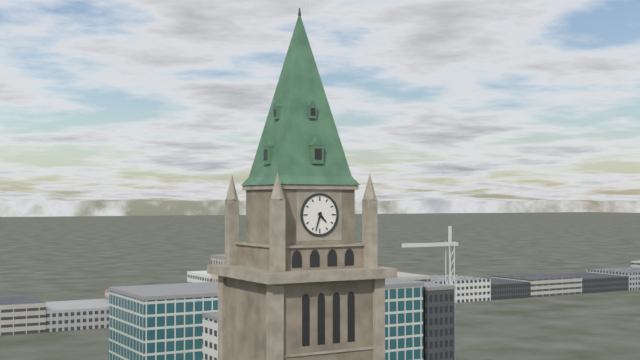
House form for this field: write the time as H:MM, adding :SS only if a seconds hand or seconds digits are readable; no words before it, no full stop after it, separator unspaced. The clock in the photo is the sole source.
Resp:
4:33
